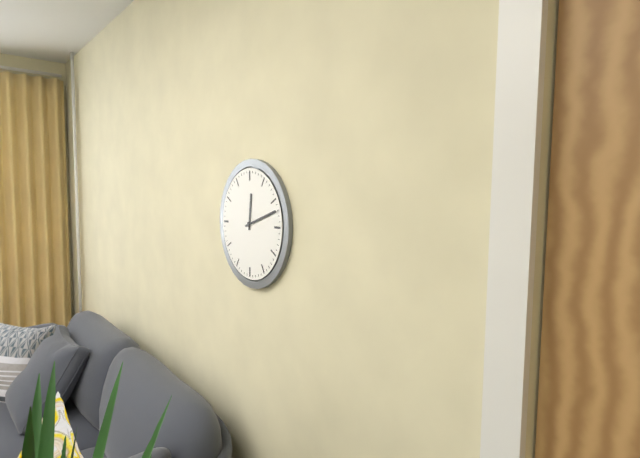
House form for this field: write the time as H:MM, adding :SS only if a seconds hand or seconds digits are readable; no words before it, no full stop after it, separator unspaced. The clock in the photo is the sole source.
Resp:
12:12
